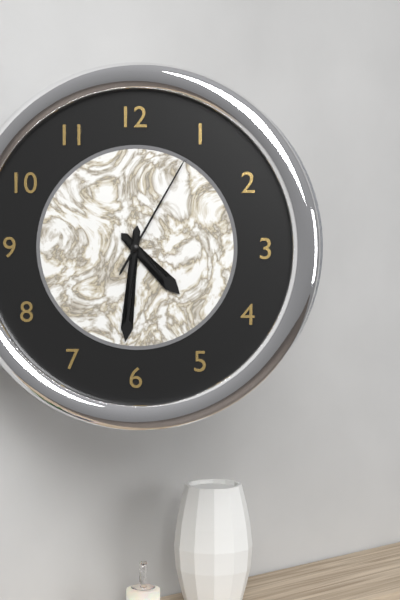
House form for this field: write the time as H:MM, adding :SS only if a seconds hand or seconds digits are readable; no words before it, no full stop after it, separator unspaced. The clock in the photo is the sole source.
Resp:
4:31:05
